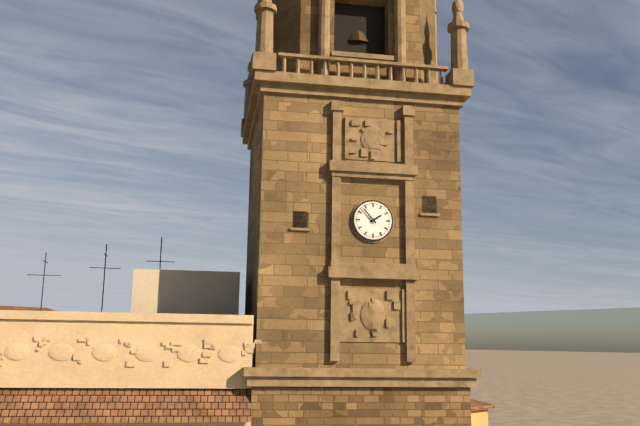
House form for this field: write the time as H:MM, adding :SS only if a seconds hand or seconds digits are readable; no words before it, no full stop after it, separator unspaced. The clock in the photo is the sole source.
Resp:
1:53
